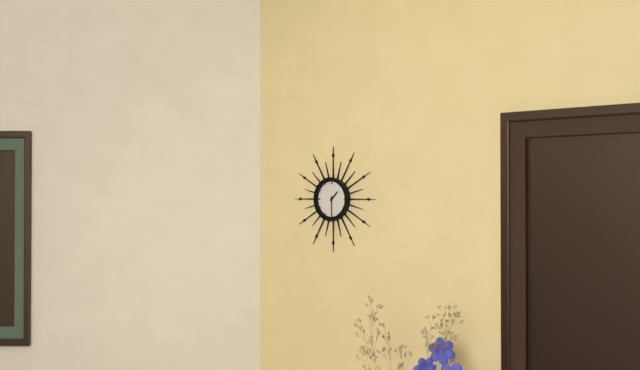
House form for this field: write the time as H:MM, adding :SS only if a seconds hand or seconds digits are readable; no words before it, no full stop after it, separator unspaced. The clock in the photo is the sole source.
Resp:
1:30
